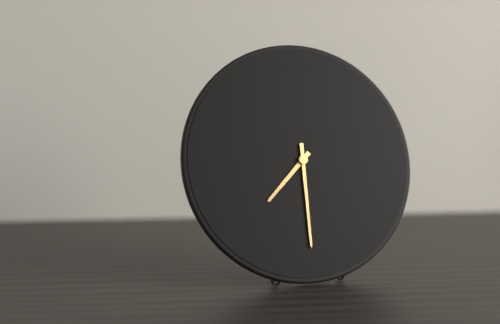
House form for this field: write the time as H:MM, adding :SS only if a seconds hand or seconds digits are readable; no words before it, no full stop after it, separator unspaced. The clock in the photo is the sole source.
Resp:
7:30
